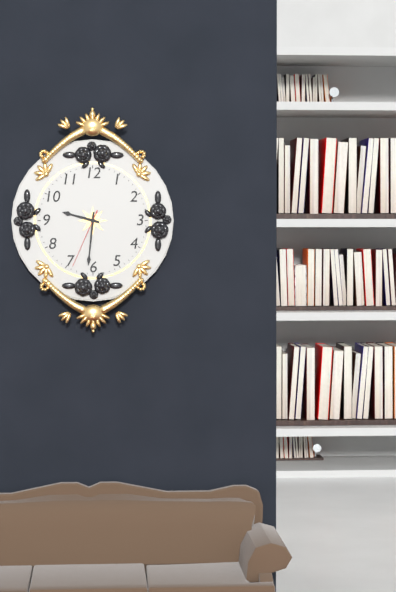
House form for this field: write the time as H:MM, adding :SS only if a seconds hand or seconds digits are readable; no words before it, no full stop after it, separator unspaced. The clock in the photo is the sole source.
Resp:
9:31:34
